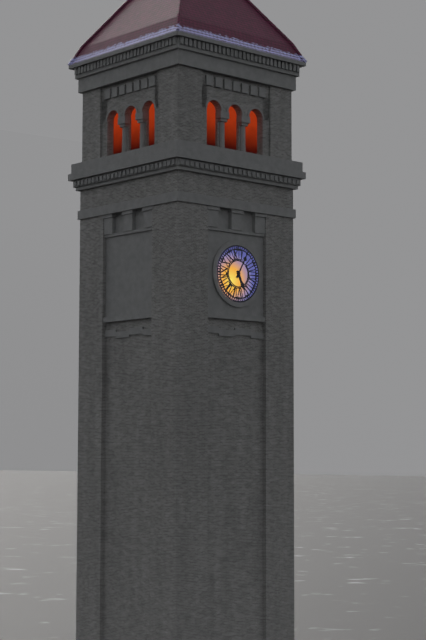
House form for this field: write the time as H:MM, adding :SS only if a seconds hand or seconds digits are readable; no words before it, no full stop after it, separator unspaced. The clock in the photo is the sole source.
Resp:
5:05
